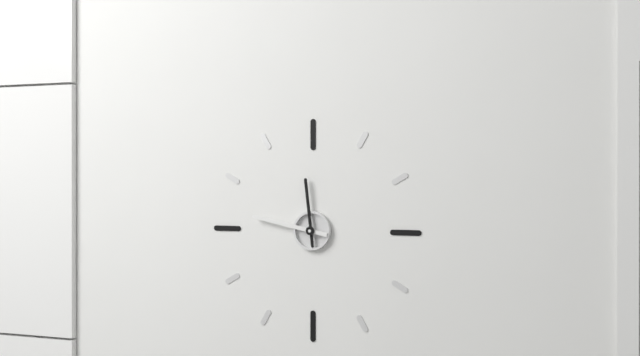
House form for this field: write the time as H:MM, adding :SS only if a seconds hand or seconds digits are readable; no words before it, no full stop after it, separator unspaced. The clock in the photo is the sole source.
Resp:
11:47
